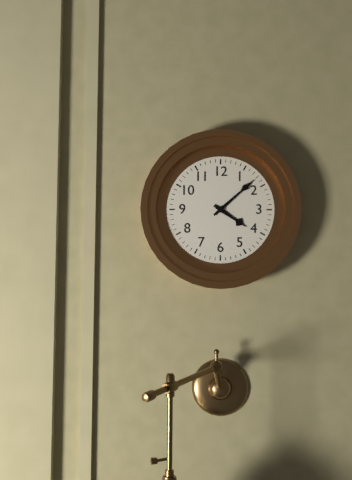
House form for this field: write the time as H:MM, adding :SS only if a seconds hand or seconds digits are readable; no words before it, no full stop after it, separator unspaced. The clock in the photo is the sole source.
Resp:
4:08
